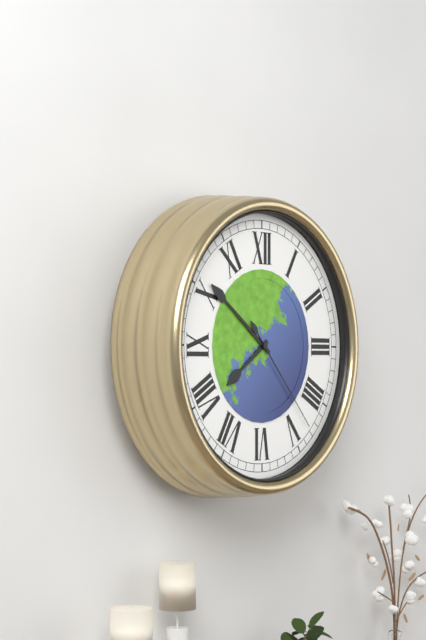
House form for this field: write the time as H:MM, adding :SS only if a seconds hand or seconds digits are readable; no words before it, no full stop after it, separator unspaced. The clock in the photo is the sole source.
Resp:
7:51:23
